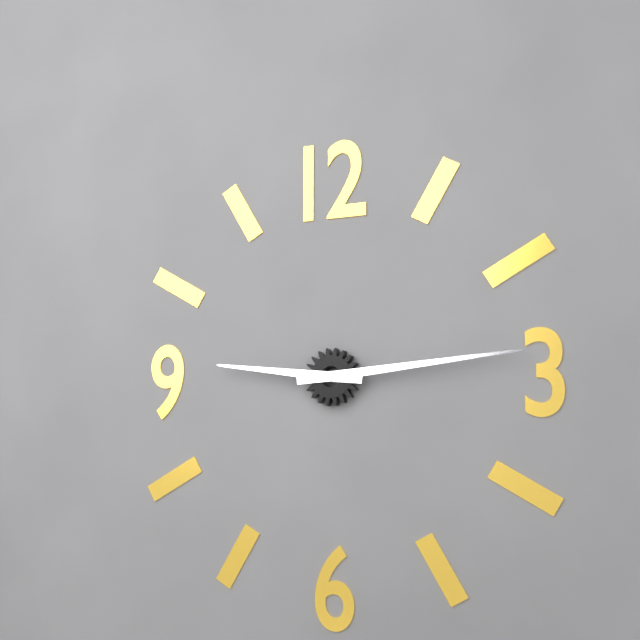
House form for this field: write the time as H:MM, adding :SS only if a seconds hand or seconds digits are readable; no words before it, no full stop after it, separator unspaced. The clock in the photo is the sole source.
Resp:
9:14
